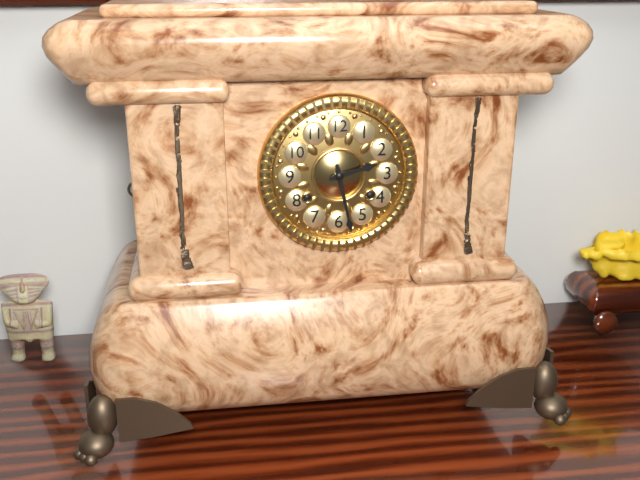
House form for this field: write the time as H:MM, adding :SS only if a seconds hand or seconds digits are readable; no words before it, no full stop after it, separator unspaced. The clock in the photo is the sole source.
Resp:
2:28
